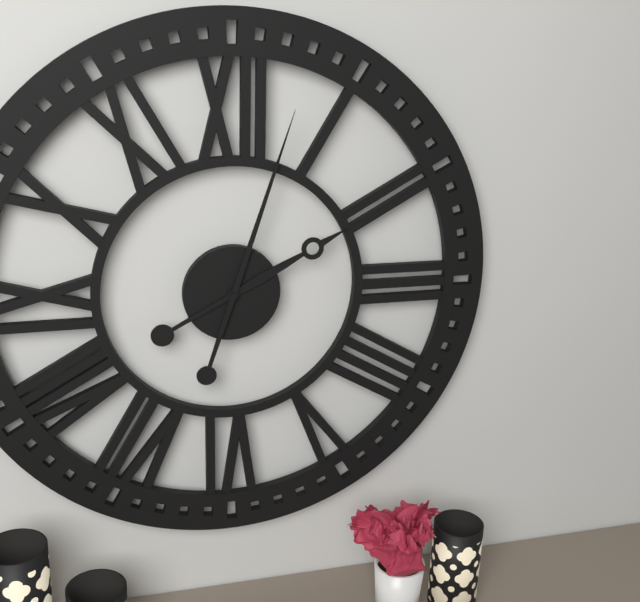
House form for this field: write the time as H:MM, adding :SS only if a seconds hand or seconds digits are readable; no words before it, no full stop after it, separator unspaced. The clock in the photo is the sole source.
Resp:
2:03
